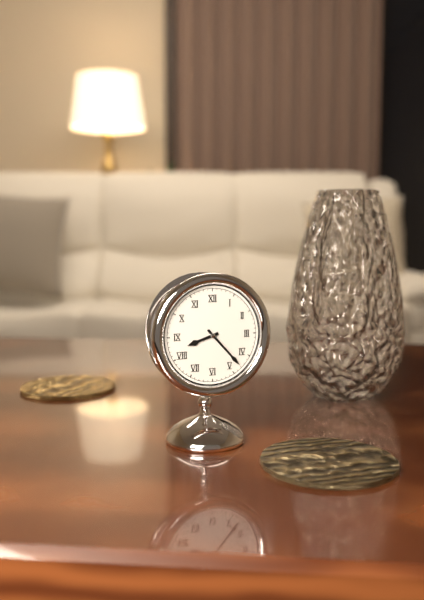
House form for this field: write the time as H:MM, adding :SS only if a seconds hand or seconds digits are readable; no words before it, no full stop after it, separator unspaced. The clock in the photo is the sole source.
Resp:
8:23
